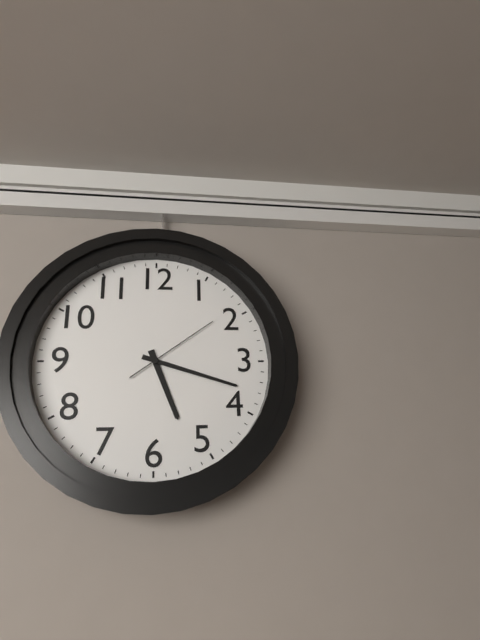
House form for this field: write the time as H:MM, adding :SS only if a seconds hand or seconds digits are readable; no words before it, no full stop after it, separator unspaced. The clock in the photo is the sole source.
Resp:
5:18:09
